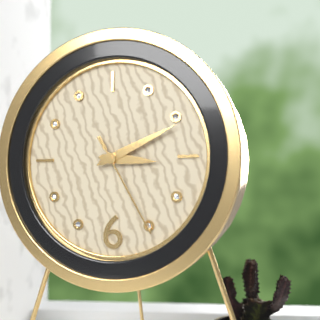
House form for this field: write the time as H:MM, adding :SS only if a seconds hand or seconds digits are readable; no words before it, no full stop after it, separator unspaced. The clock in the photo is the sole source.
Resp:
3:11:25
